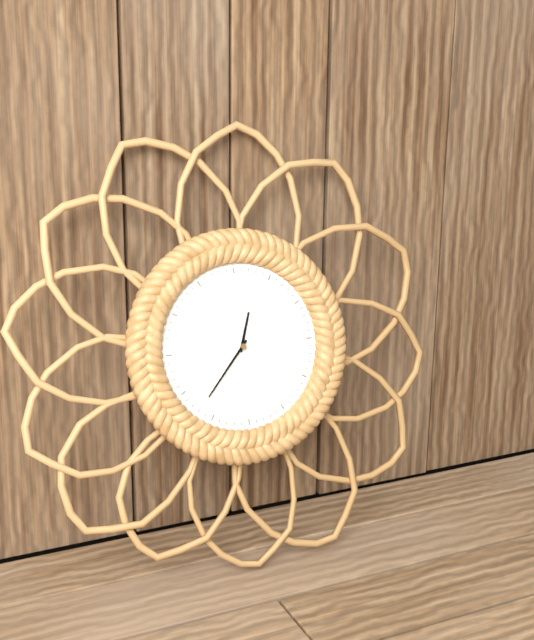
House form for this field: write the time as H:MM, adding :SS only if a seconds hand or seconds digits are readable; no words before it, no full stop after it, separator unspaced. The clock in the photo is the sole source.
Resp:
12:37
